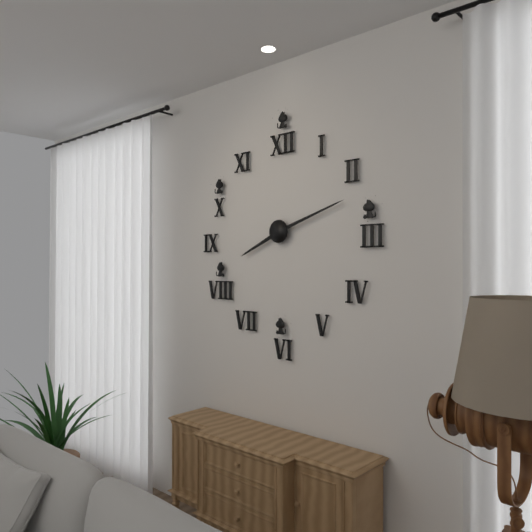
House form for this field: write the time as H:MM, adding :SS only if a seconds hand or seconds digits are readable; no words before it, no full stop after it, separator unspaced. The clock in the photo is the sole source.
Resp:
8:12
